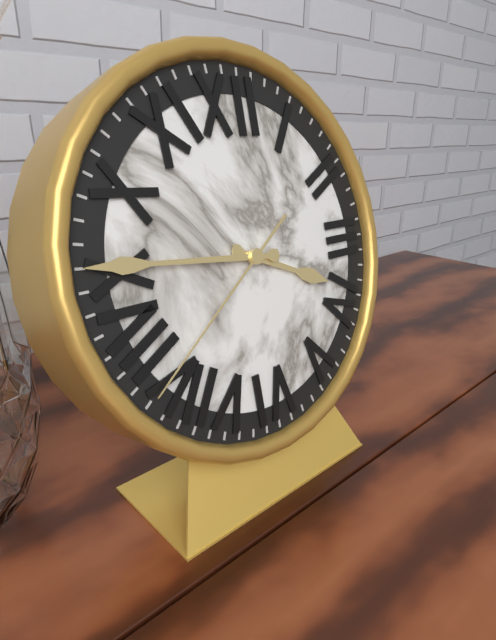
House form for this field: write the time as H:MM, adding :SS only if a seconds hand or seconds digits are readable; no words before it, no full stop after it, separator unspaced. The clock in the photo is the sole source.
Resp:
3:46:39
